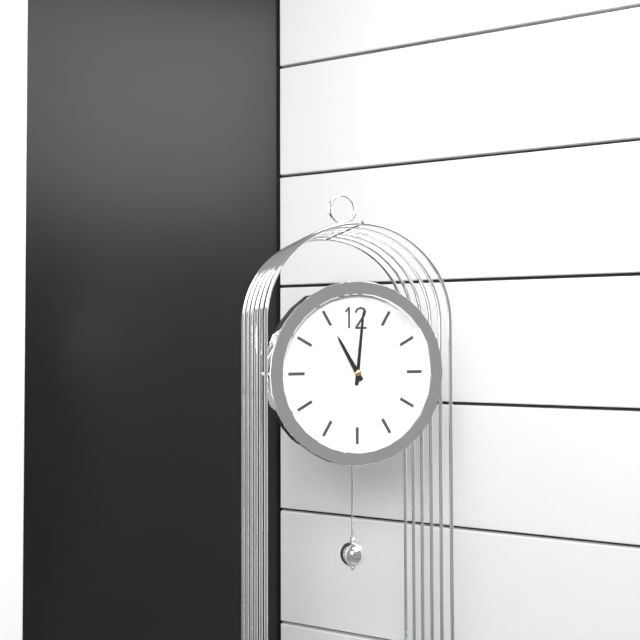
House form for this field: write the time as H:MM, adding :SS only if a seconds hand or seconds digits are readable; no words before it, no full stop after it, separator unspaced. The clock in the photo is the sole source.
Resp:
11:01
